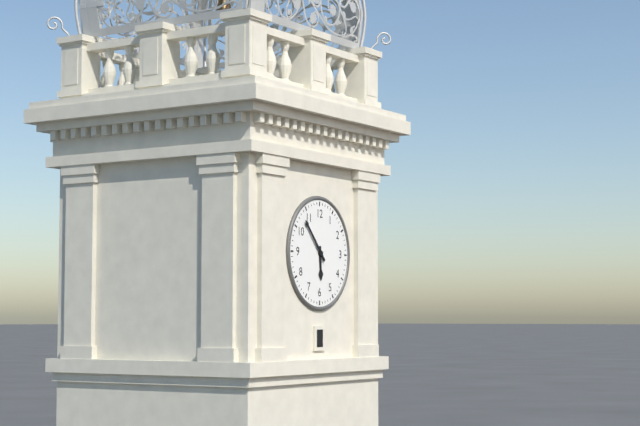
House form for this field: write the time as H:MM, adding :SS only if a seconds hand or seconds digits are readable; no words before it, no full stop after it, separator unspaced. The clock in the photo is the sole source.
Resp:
5:53
